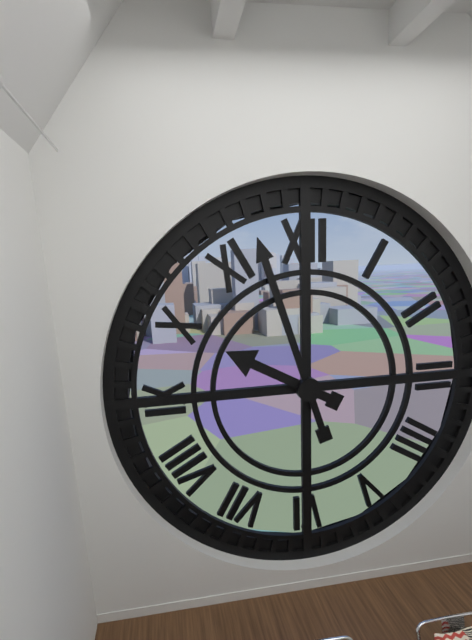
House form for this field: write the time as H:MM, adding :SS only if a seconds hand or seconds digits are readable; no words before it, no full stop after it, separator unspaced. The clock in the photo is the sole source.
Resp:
9:57
